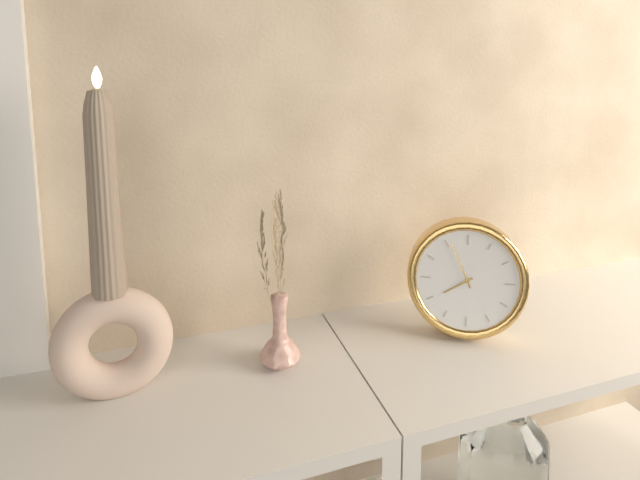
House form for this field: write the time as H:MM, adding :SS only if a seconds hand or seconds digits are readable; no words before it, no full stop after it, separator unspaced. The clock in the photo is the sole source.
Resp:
7:56
